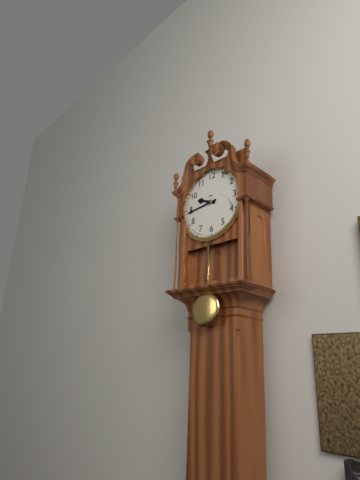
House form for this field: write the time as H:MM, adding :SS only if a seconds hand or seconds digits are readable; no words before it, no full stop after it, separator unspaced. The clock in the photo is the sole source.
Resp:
9:44
